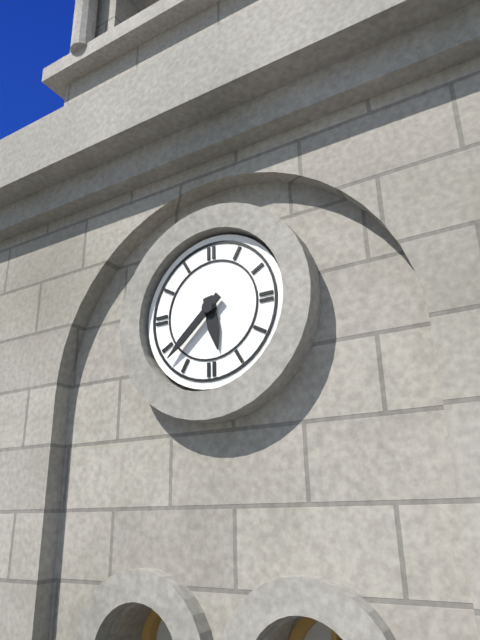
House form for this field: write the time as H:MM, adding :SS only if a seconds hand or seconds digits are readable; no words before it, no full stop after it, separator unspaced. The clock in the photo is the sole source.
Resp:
5:38
